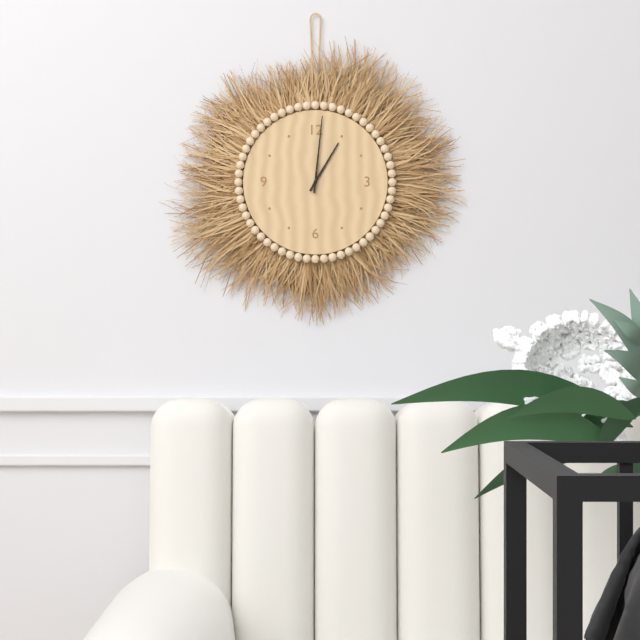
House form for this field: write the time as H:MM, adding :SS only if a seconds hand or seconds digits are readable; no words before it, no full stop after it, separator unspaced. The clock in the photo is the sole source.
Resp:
1:01
